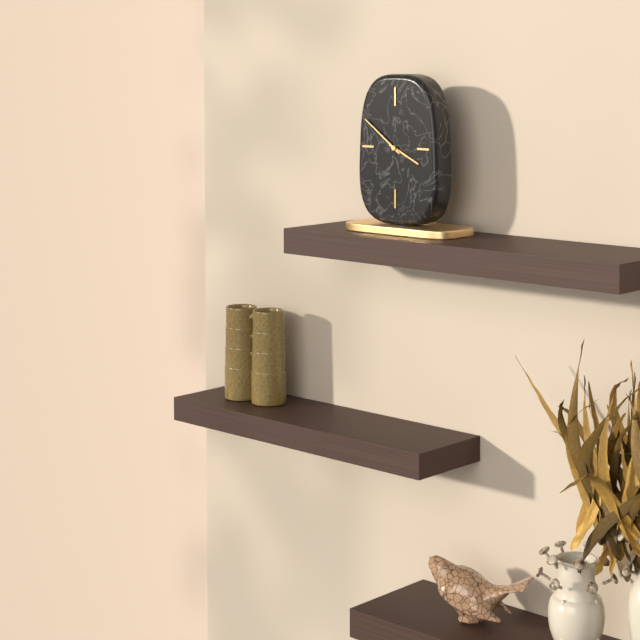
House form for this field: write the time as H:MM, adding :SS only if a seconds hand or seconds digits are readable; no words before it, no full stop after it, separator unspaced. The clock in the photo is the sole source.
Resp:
3:51
